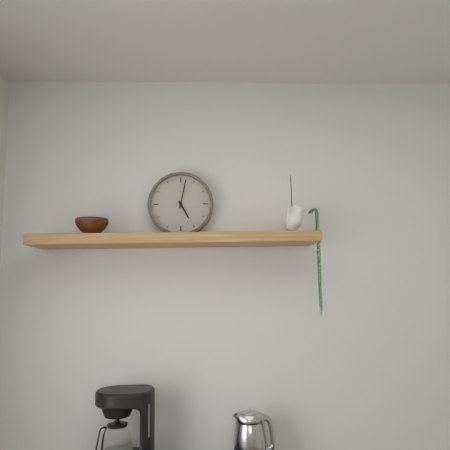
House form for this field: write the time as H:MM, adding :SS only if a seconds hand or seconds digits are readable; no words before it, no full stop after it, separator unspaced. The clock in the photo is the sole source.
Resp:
5:02
